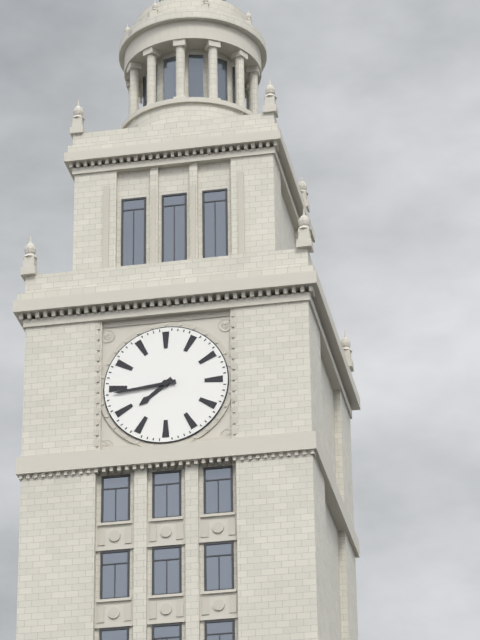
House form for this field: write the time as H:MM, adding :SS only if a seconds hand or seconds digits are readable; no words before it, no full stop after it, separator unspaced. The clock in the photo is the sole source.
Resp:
7:44
